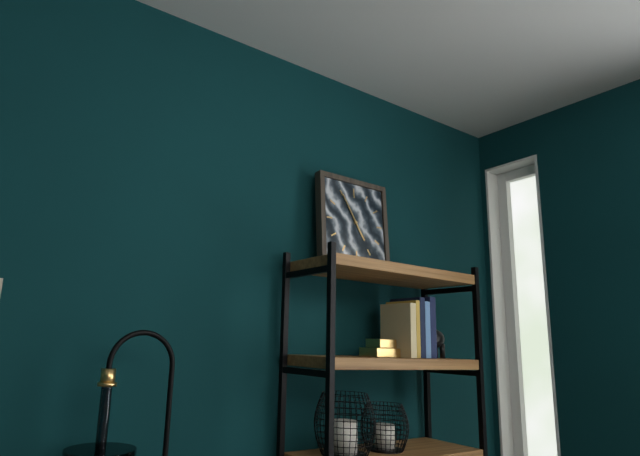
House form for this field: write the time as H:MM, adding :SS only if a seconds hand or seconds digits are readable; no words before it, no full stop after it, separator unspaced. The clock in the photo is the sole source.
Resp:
4:55
